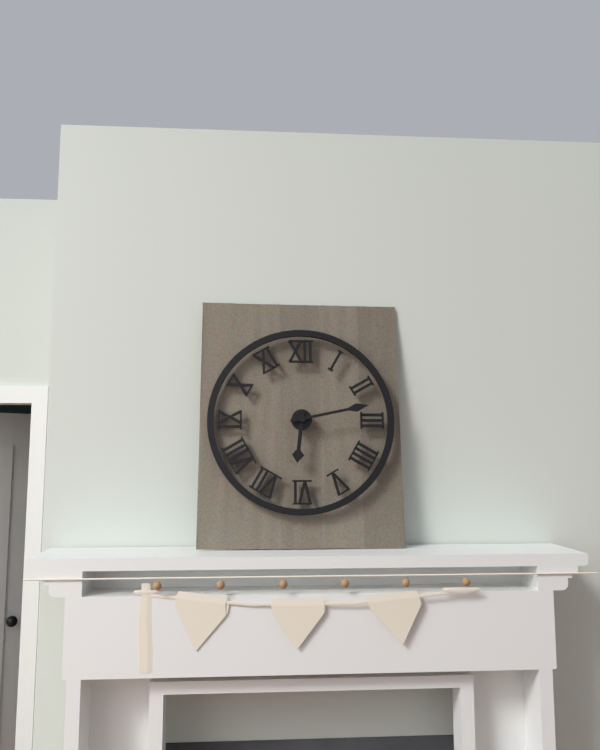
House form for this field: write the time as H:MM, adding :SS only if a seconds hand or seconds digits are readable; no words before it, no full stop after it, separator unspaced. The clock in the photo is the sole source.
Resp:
6:13
